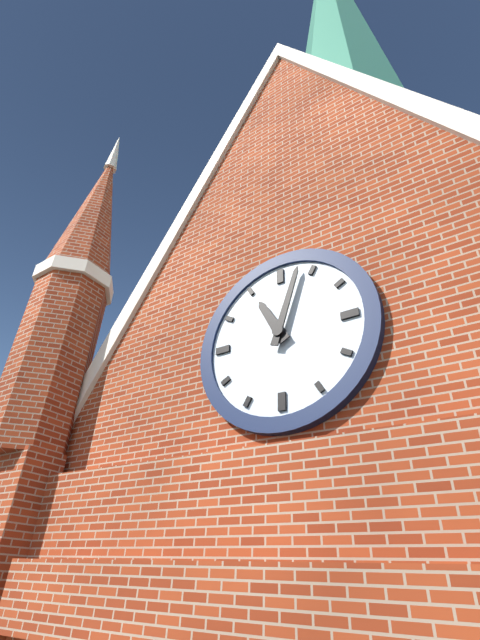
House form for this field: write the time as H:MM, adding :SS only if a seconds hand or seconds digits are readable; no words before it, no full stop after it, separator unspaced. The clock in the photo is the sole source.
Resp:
11:03
